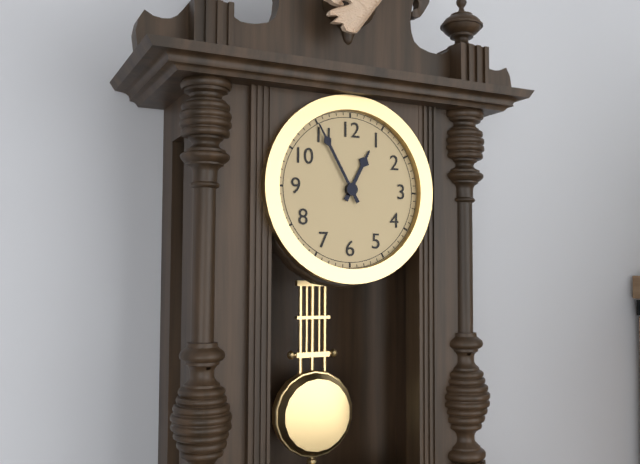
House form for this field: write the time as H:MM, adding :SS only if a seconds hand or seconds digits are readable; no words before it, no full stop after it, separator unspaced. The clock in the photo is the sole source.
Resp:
12:55
